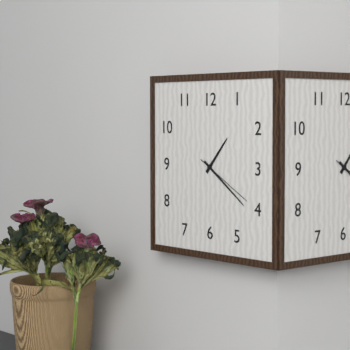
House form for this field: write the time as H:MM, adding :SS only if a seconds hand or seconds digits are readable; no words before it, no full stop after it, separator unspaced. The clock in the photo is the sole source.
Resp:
1:21:20
